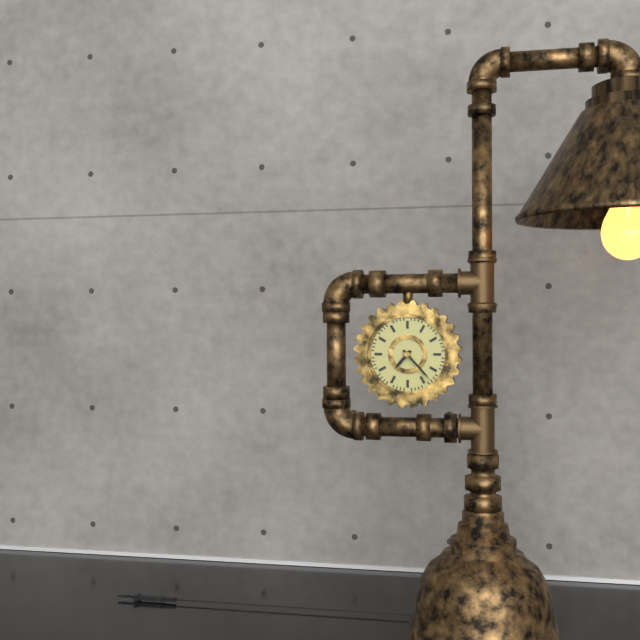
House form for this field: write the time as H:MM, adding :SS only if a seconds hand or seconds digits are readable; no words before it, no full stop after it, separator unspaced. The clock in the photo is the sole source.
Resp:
7:23
